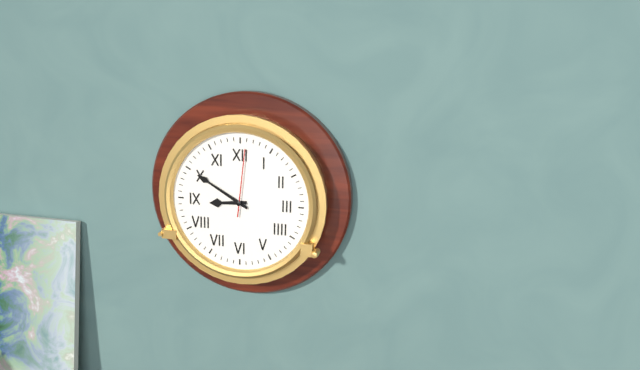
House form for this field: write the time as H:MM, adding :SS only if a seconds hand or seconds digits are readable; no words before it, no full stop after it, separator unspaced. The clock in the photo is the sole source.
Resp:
8:50:01
